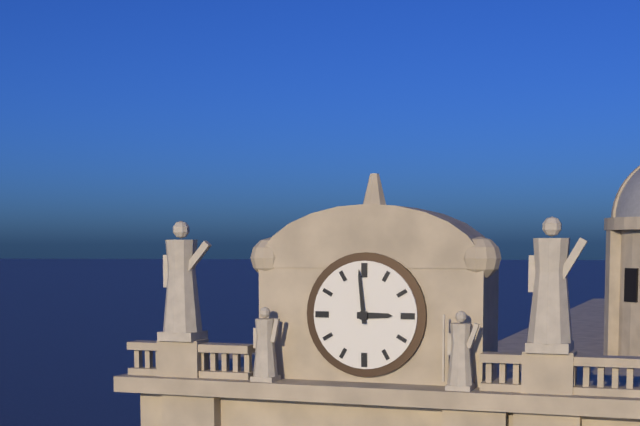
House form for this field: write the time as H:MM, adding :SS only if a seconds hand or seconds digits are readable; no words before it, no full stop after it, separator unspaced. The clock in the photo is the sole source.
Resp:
2:59
